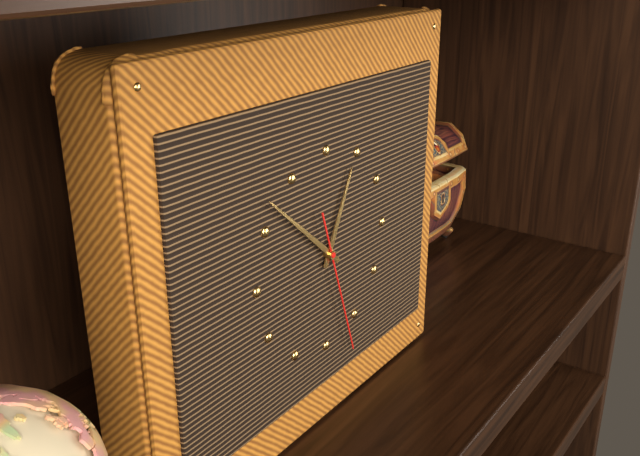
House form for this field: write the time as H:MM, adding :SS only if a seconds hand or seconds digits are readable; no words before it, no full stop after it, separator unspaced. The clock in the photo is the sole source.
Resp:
12:52:27
